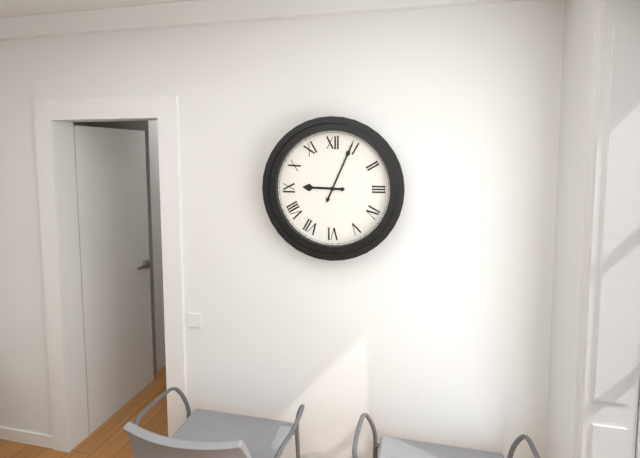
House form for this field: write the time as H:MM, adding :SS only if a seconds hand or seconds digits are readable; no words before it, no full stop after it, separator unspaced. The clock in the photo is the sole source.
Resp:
9:04
